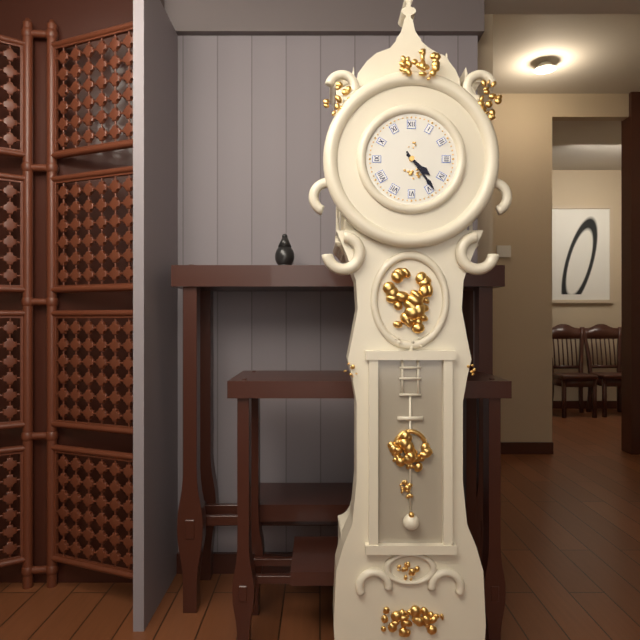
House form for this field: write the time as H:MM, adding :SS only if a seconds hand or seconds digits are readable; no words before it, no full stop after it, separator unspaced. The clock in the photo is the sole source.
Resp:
4:24
